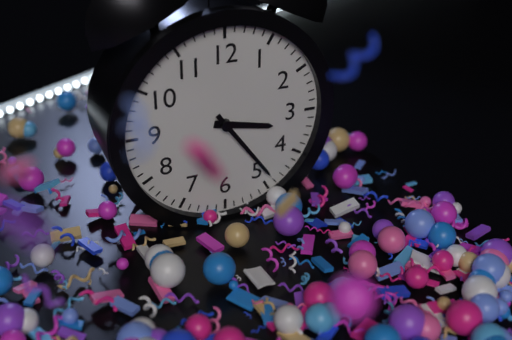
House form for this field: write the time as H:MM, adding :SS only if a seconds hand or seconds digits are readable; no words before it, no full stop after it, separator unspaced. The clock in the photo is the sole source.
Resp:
3:24
